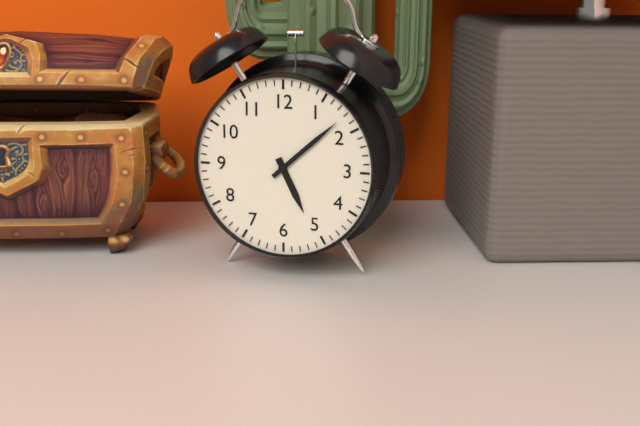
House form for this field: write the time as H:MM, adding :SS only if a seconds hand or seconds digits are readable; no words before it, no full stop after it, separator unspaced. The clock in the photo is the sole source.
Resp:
5:08
